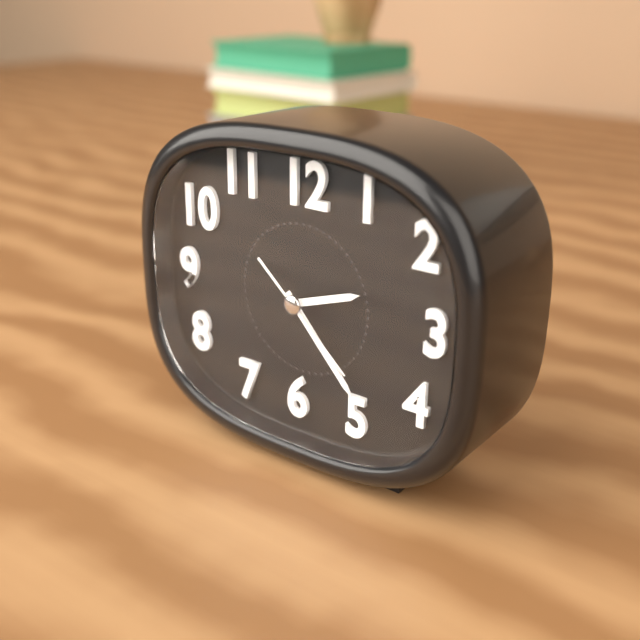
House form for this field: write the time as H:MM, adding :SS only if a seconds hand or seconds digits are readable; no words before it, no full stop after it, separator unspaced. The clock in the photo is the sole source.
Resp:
2:23:22
